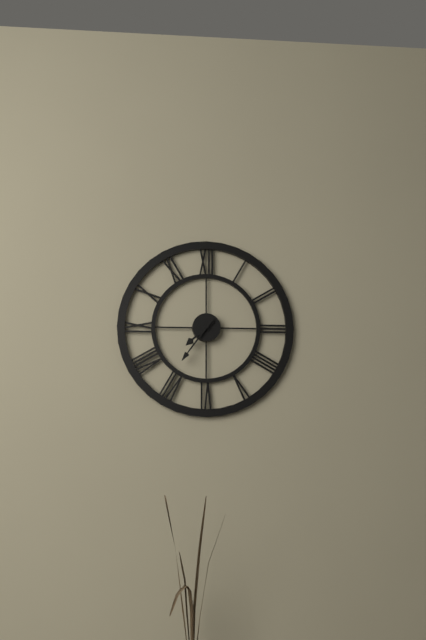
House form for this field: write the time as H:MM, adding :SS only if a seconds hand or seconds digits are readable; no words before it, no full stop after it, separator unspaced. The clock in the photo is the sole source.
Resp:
7:36
